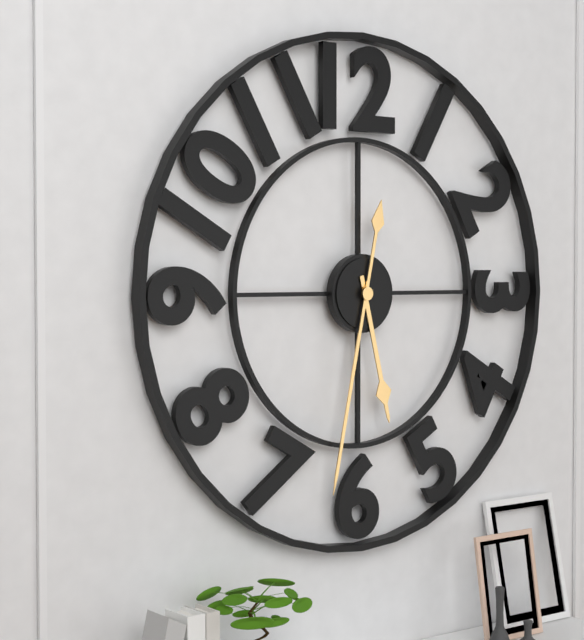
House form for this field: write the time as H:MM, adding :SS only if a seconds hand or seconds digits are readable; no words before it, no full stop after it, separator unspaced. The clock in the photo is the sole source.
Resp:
5:32
